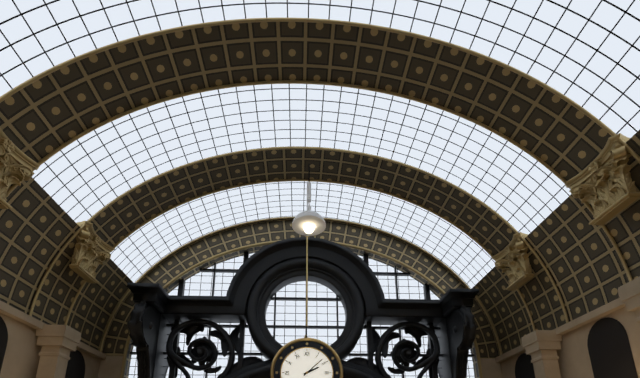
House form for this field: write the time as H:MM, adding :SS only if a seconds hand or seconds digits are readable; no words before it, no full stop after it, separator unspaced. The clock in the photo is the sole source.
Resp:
2:08
